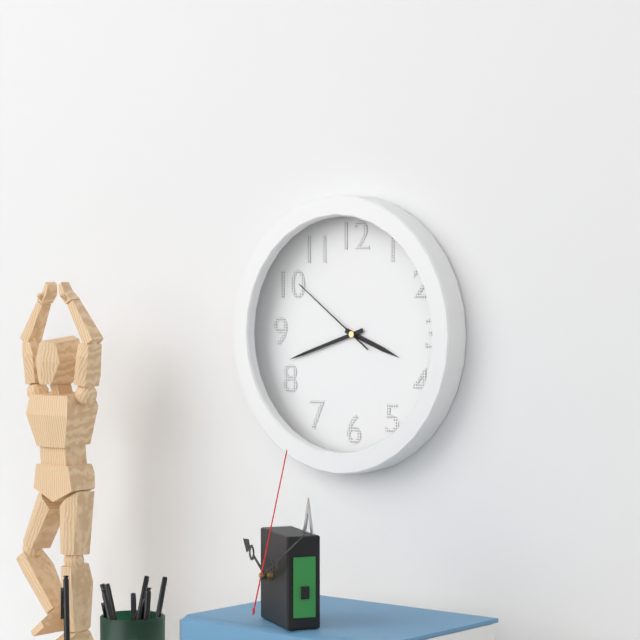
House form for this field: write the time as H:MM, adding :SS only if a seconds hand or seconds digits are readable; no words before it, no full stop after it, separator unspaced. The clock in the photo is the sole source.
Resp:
3:42:51
